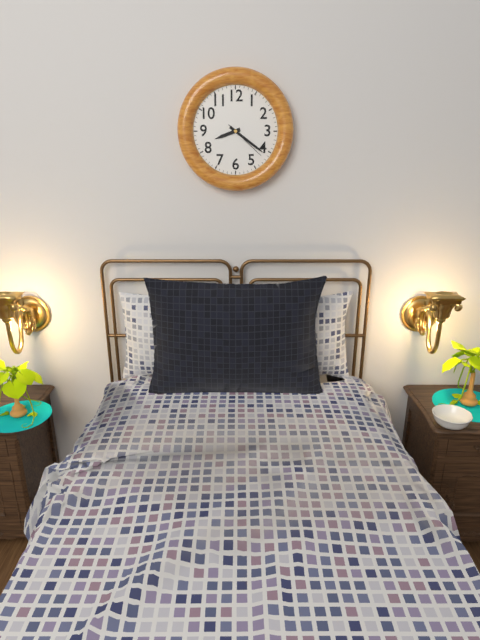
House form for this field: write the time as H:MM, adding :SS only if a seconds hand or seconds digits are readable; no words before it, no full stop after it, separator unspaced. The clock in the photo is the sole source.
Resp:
8:21
